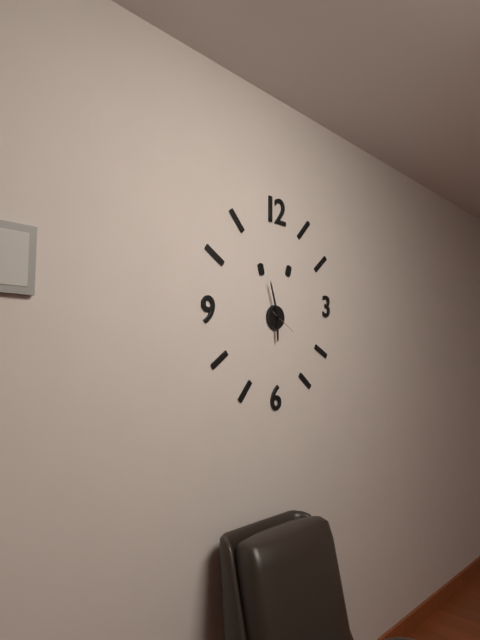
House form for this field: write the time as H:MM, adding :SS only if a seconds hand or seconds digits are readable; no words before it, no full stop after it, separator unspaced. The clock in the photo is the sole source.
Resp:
5:57
